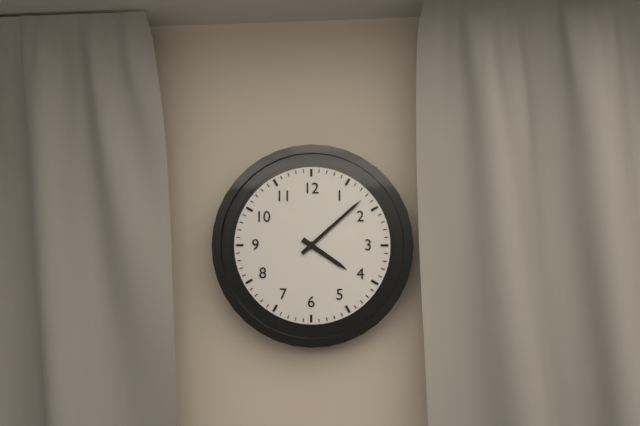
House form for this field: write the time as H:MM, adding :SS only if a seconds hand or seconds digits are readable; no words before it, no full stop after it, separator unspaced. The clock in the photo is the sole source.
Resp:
4:08
